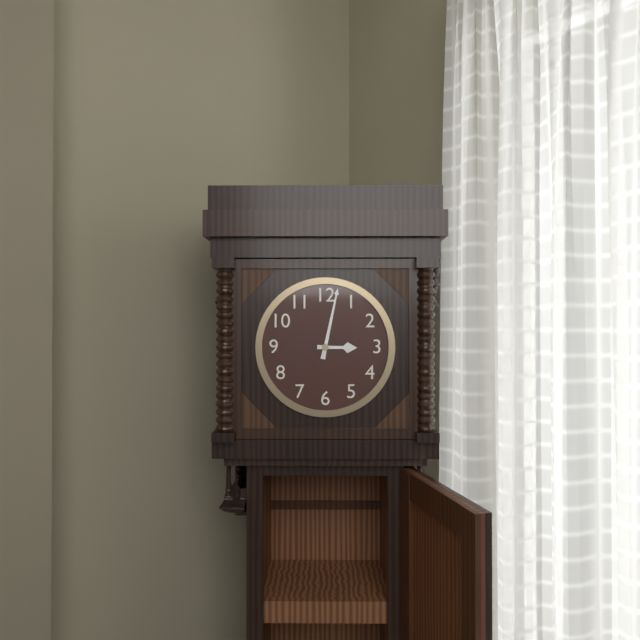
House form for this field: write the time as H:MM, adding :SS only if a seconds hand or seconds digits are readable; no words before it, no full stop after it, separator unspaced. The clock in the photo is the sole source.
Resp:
3:02
